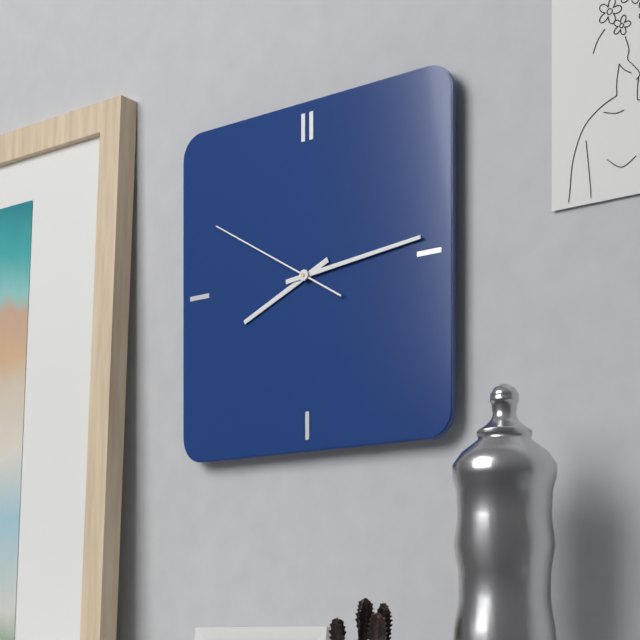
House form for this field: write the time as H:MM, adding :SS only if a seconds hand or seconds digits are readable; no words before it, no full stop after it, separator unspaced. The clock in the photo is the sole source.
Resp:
8:14:50
